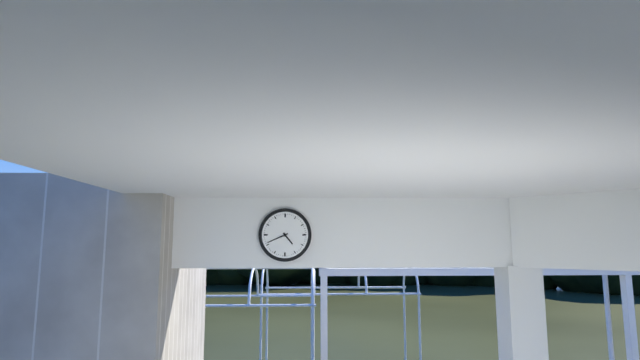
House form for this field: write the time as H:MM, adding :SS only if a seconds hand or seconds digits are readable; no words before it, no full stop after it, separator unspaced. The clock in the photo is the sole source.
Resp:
4:41
